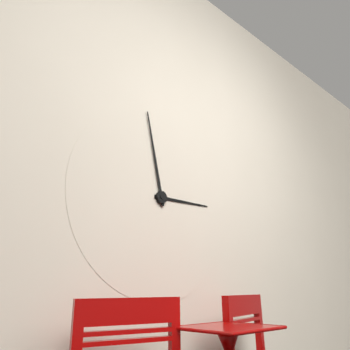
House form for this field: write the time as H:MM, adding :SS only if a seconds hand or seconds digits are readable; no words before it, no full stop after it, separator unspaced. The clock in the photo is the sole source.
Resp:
2:58
